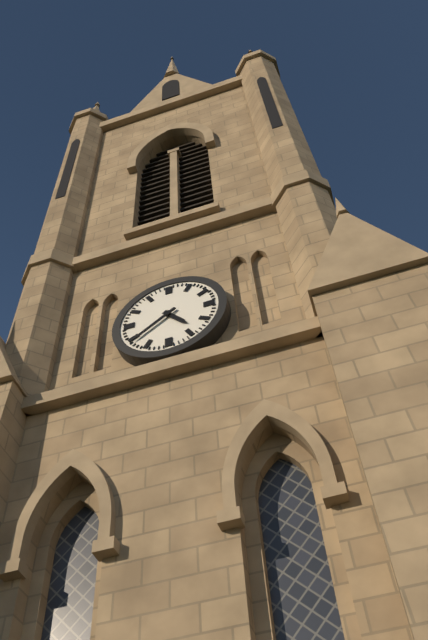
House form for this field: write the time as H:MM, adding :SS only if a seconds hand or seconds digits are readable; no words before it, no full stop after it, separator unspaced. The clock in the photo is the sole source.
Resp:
4:39
